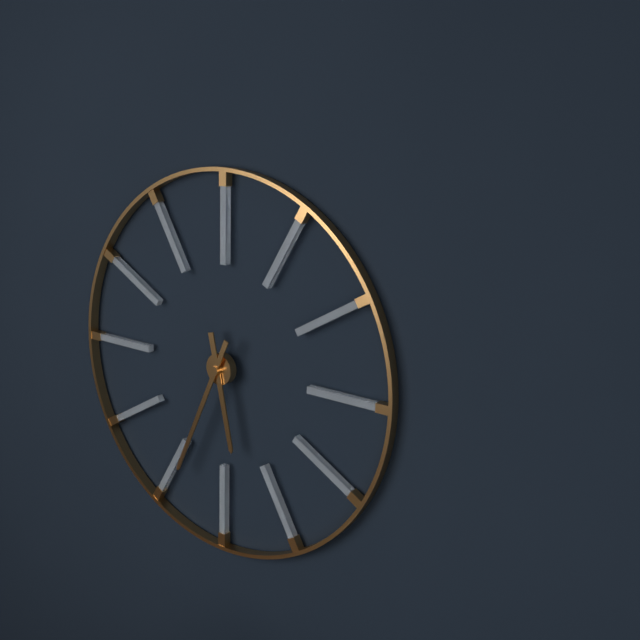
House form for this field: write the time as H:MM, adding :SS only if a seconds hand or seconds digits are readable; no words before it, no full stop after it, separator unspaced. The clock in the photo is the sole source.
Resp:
5:34
